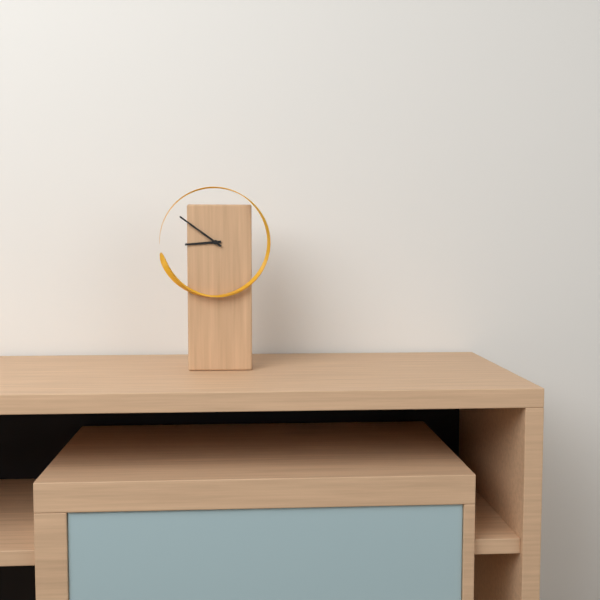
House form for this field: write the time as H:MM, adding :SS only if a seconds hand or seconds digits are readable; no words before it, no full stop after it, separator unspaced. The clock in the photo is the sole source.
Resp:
8:51
